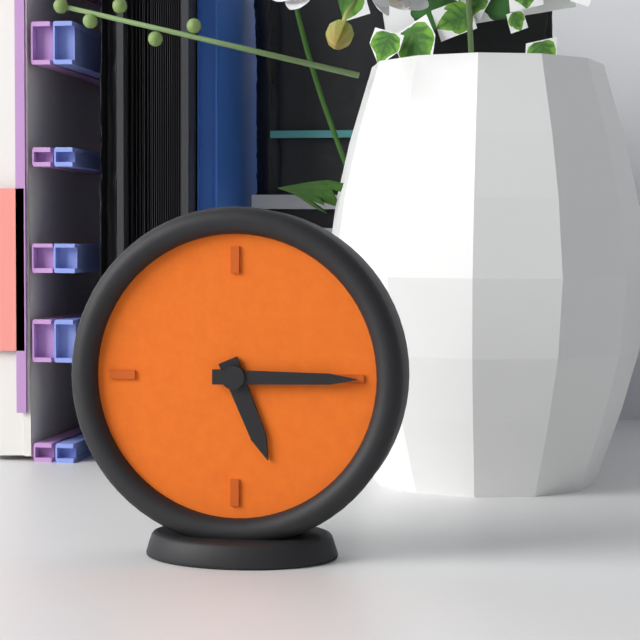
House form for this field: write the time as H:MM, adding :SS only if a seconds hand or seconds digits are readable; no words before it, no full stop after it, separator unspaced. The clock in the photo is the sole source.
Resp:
5:15
